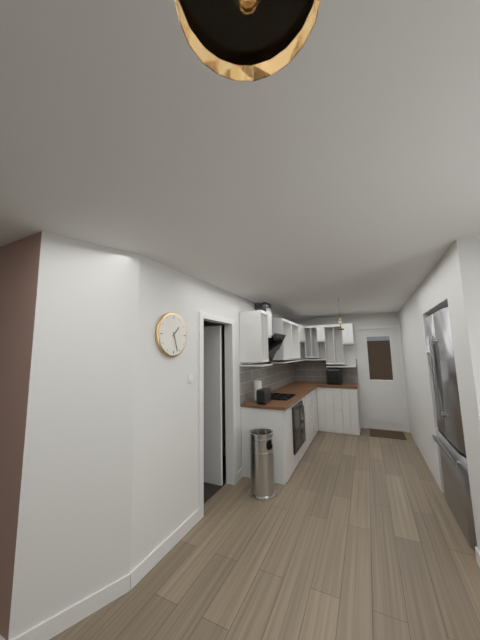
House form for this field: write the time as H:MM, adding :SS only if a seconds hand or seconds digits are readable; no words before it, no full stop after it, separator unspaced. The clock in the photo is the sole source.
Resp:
1:27
